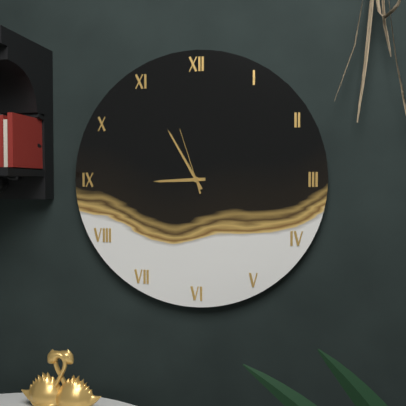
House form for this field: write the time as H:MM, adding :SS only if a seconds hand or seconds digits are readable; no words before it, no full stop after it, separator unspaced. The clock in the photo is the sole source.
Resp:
8:55:57
